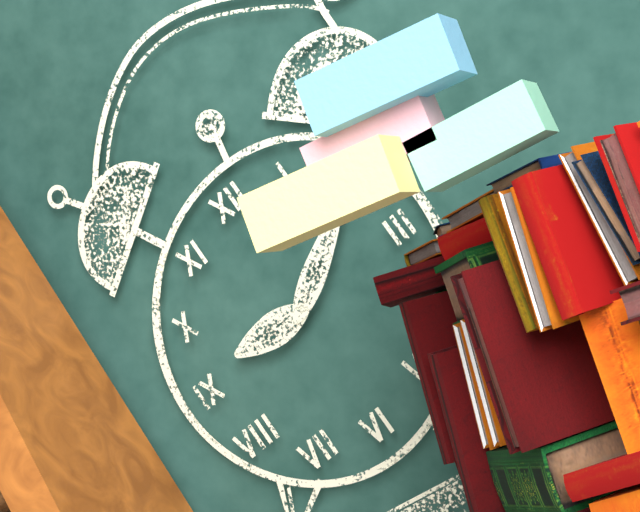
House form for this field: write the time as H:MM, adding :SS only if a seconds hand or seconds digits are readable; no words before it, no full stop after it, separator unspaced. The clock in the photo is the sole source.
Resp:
9:10
